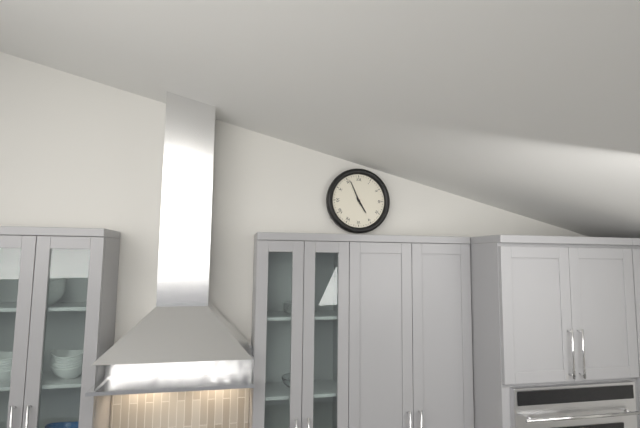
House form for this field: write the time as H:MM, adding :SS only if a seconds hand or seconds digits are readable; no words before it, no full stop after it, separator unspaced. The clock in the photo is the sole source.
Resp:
4:56
